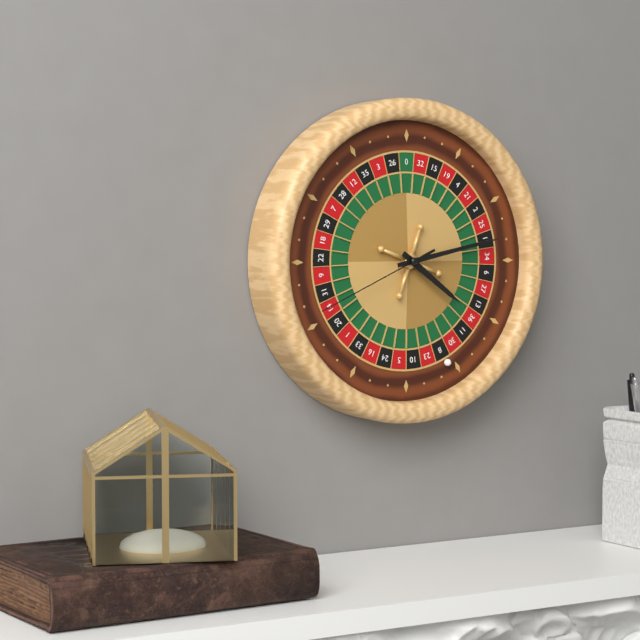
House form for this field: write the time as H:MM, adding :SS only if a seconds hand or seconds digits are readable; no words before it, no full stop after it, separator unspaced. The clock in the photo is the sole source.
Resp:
4:13:41
